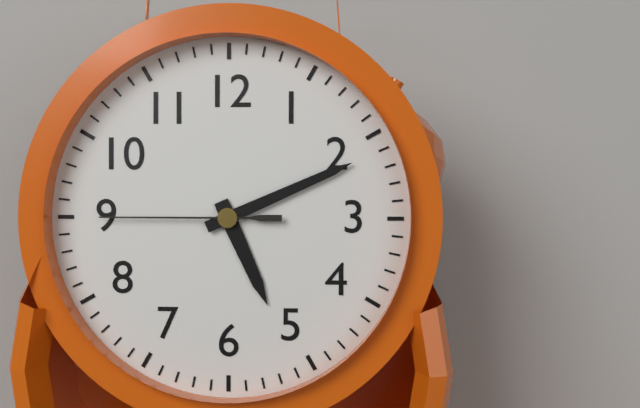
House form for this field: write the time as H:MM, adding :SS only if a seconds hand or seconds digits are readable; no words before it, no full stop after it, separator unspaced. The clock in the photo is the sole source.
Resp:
5:11:45
